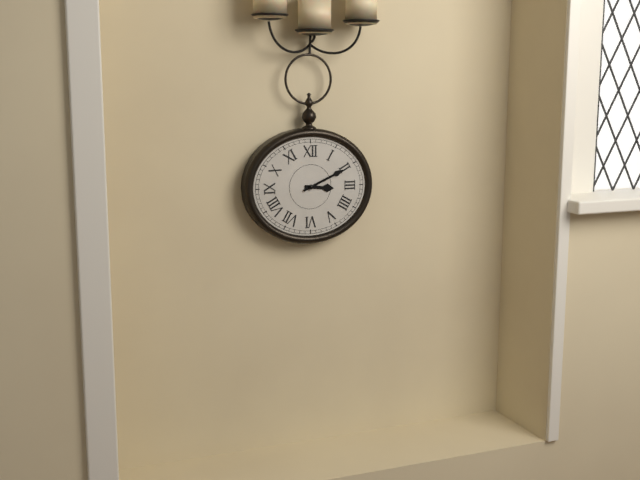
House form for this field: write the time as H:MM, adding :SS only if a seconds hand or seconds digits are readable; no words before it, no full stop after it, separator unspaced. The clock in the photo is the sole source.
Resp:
3:11
